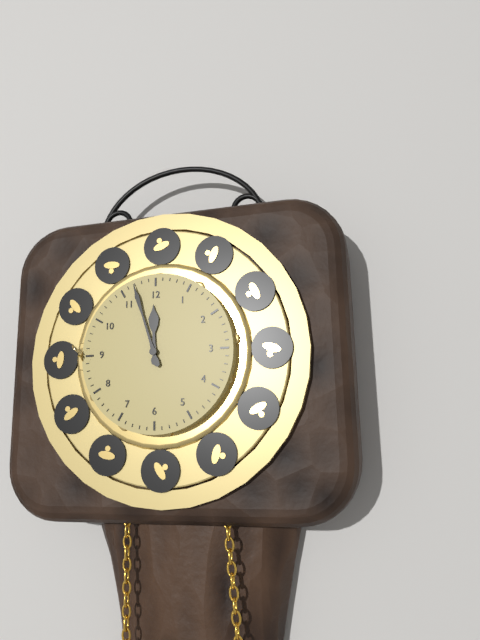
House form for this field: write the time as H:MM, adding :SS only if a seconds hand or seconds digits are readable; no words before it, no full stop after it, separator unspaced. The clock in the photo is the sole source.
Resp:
11:57
